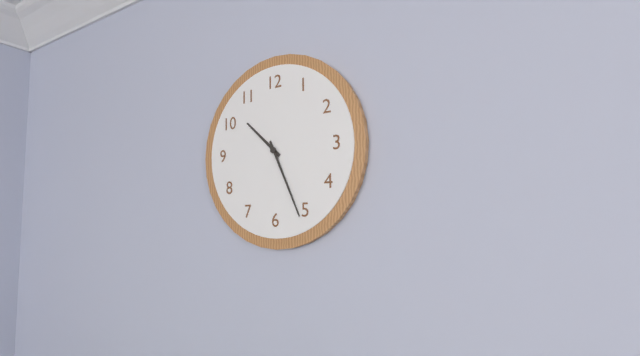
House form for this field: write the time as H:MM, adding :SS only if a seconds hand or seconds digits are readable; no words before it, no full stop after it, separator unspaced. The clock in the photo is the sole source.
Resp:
10:26
